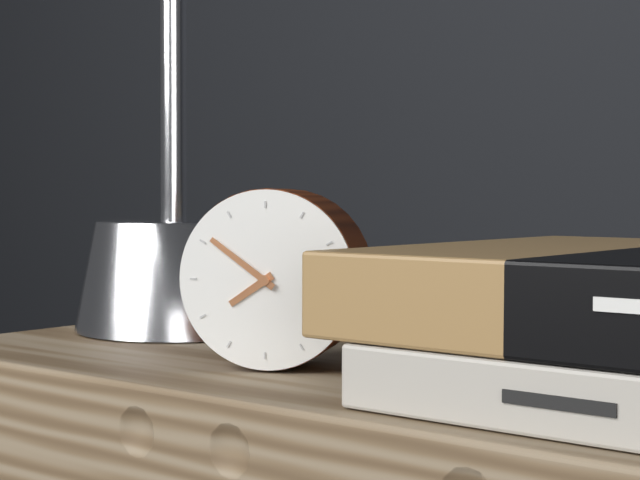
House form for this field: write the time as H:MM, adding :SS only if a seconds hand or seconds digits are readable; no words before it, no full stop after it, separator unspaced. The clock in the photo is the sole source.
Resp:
7:51
